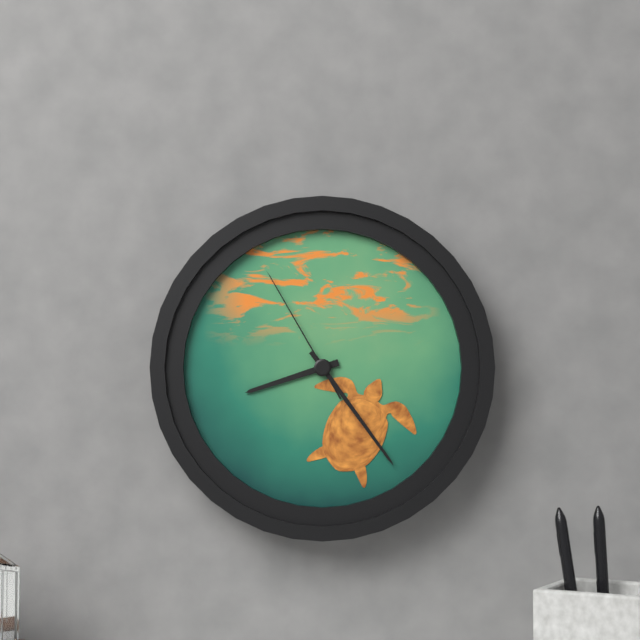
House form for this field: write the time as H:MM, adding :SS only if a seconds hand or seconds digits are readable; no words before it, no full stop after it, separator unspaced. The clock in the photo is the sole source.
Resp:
8:24:55
